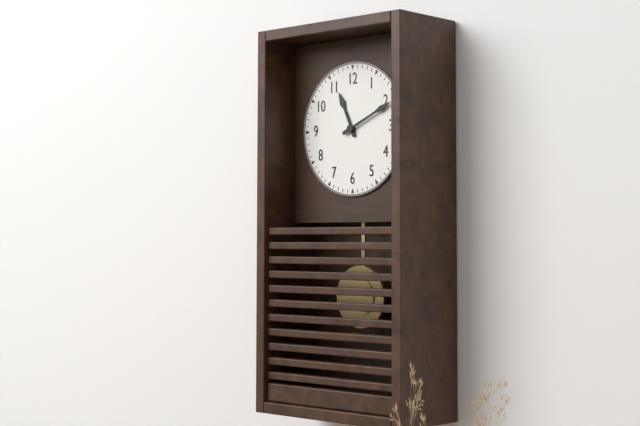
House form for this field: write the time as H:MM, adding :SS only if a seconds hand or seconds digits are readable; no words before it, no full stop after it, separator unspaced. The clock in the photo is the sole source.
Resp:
11:11
